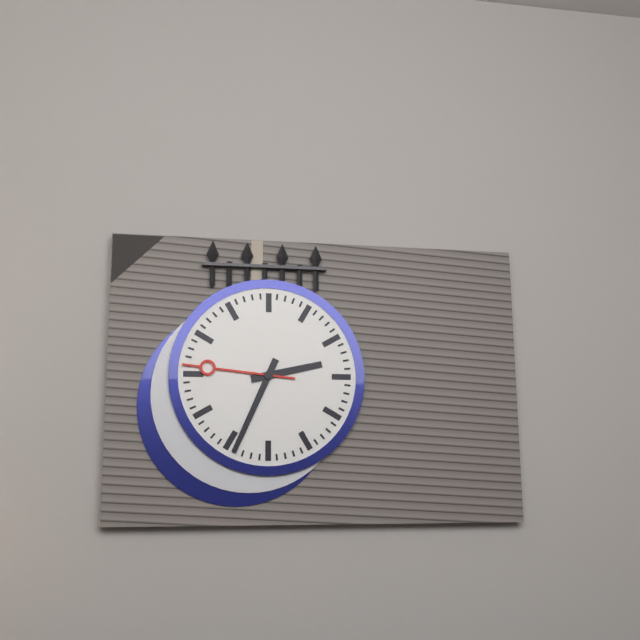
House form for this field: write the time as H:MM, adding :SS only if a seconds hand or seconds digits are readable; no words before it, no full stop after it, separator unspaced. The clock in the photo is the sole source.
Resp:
2:34:46
